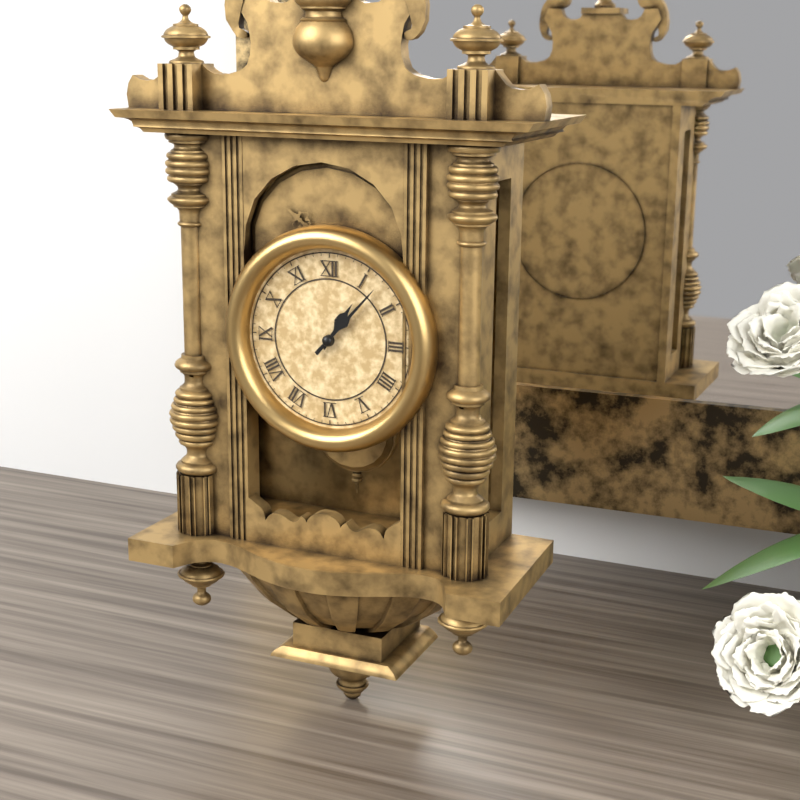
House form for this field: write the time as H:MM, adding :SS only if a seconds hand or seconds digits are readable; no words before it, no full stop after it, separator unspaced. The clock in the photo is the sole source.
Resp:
1:07
